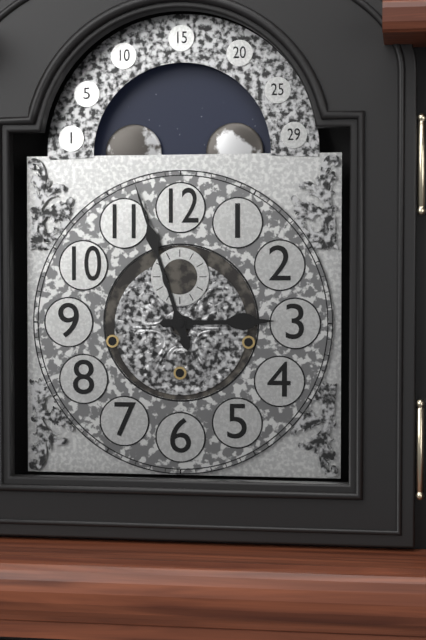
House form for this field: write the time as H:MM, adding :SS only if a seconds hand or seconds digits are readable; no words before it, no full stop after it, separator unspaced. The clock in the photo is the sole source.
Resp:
2:57
